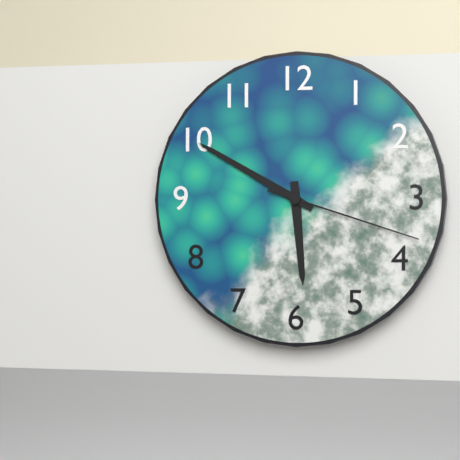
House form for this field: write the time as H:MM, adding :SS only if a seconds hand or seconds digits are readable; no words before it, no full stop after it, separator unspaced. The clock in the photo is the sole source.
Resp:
5:50:18
